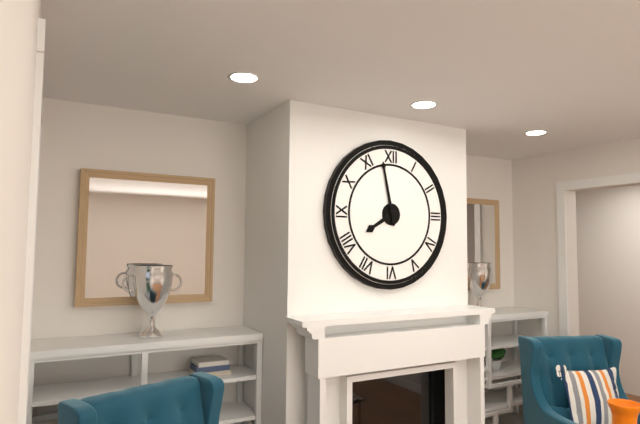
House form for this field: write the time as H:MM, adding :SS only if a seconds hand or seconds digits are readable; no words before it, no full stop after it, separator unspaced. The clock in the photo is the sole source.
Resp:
7:58
